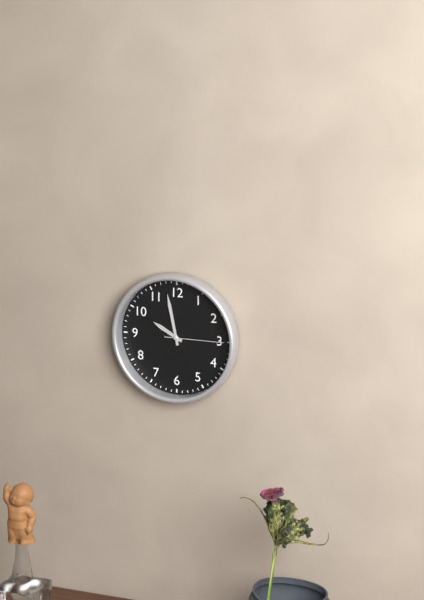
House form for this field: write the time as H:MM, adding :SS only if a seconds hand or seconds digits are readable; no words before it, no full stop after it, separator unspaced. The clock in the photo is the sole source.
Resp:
9:58:15
